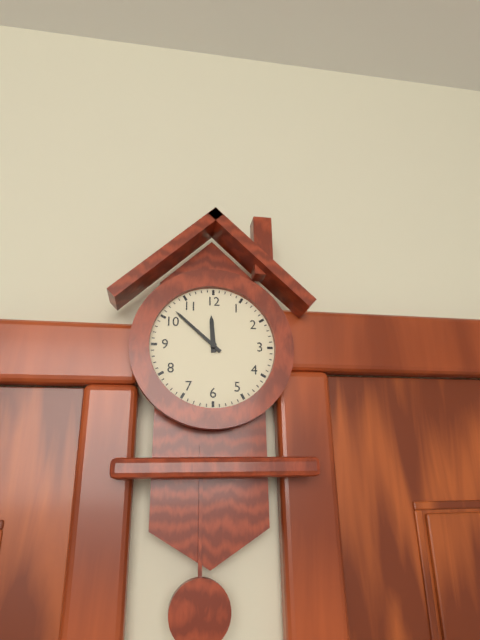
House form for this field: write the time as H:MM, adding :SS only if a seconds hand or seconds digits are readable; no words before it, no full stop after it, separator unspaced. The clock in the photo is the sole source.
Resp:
11:52
